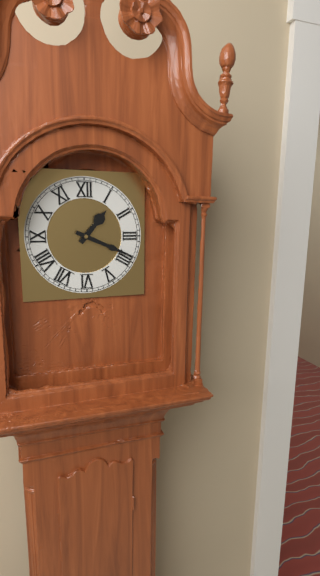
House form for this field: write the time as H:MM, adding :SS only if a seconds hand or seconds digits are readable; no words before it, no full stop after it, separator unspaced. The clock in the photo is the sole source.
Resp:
1:19
